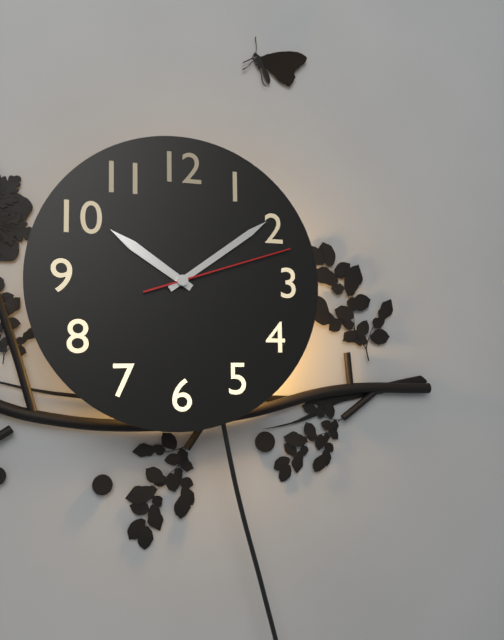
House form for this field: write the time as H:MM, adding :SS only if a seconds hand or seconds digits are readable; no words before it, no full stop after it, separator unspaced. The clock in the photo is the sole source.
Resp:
10:09:12
